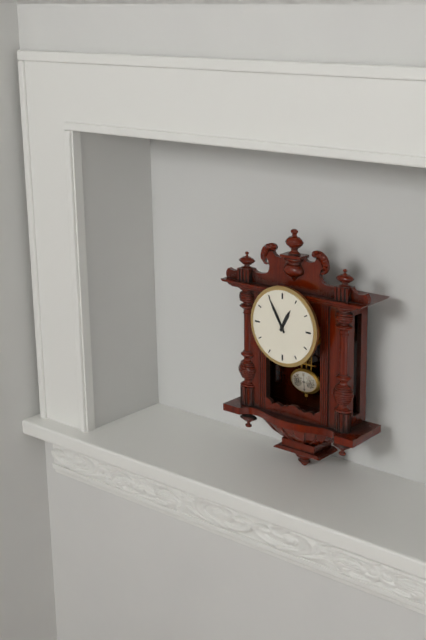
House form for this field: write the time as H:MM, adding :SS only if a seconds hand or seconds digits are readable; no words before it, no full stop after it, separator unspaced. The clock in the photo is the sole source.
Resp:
12:55
